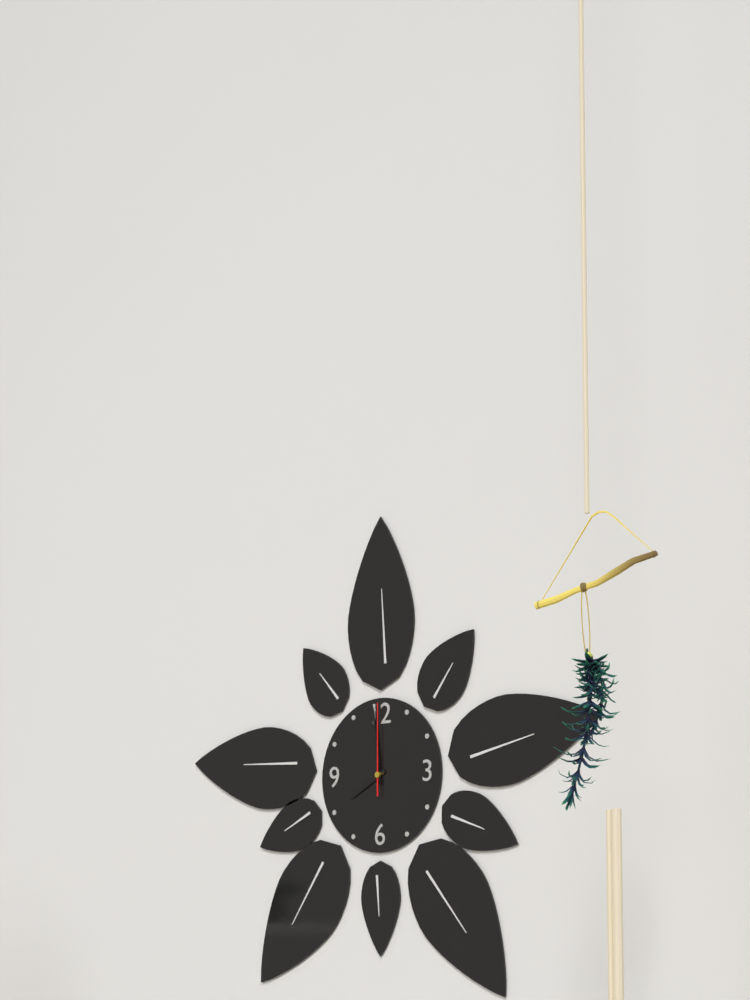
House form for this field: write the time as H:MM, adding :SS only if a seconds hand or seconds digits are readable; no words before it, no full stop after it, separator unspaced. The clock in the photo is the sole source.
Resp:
7:59:00
